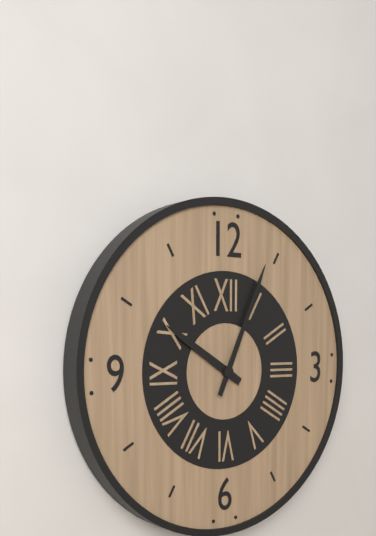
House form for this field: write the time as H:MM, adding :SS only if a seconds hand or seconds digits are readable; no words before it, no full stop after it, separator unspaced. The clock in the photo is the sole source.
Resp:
10:04
